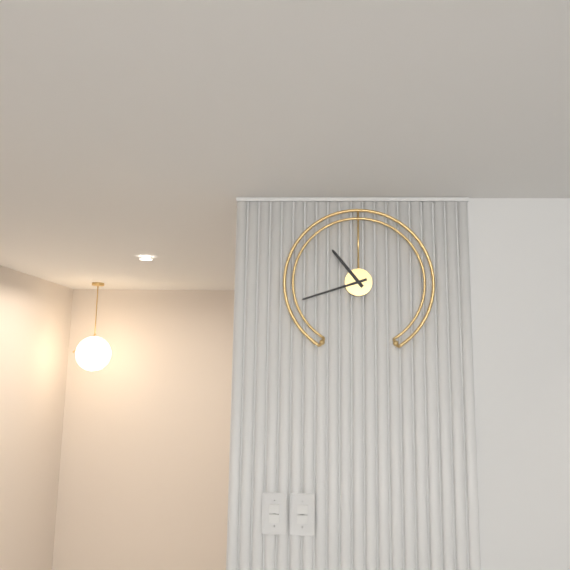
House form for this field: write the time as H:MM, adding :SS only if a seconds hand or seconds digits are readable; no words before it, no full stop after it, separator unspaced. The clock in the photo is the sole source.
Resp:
10:42
